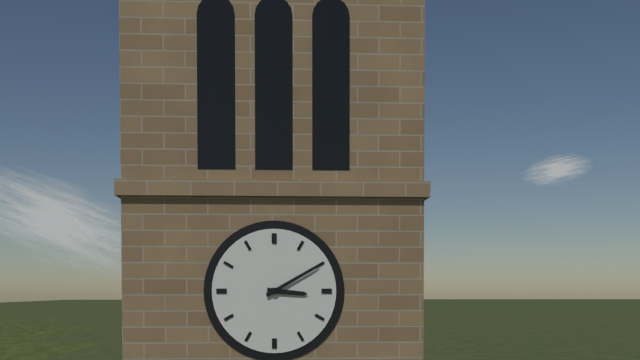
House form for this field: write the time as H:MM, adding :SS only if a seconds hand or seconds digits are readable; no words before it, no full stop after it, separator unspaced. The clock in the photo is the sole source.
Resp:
3:10
